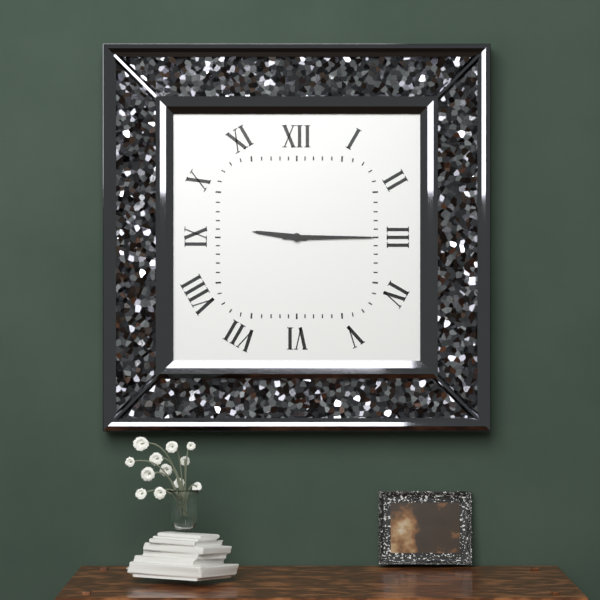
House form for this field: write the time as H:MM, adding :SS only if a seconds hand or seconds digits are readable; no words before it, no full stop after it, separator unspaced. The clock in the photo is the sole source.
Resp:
9:15
